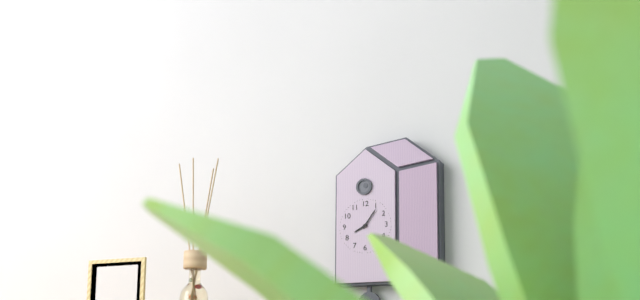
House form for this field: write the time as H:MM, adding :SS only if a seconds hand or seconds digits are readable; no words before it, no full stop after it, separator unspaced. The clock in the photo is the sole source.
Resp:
8:06
